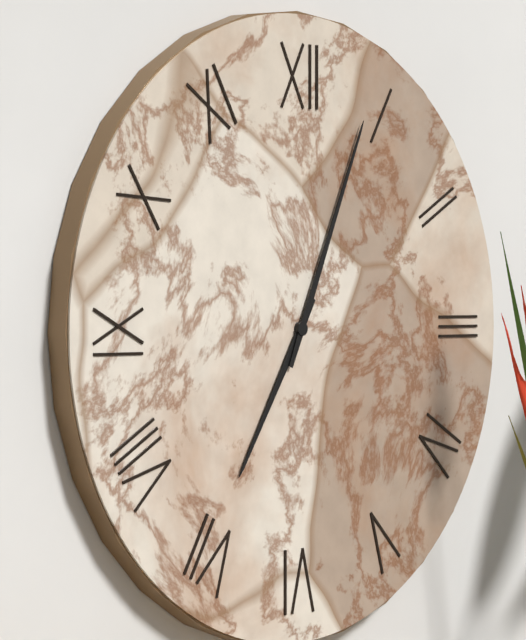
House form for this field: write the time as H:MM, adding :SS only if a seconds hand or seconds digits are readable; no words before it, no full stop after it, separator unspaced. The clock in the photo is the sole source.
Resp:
7:04
